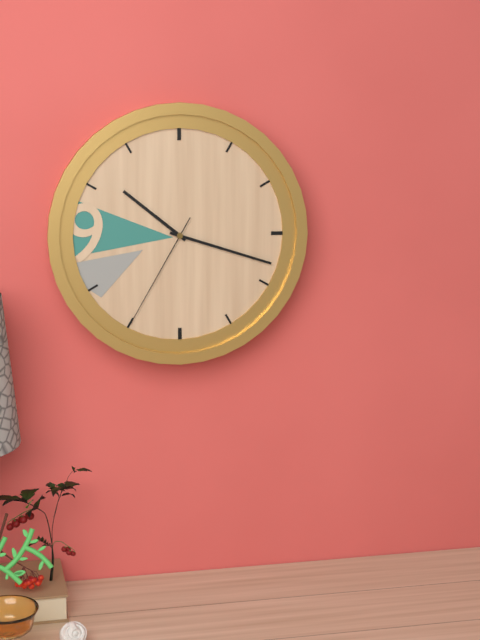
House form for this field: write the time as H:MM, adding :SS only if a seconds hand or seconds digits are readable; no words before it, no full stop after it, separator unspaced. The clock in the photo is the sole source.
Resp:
10:18:35
